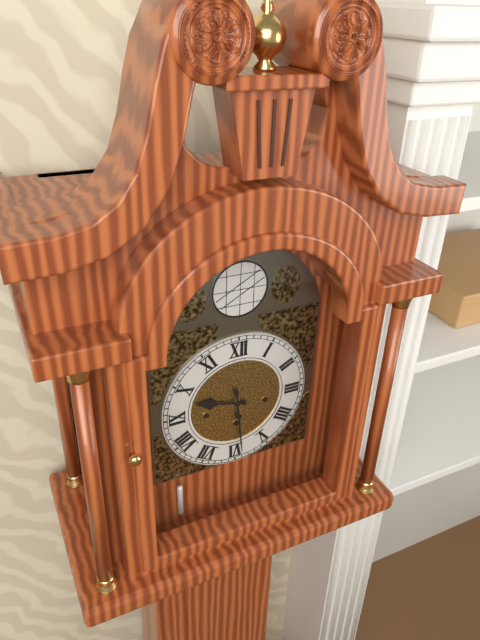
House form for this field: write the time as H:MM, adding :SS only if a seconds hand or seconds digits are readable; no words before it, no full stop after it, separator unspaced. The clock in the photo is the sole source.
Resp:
9:29
